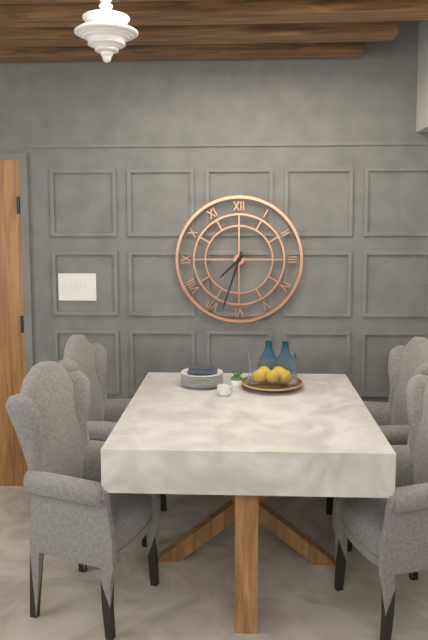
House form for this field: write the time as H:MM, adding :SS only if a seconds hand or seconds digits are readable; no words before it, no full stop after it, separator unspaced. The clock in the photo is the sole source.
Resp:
7:33
